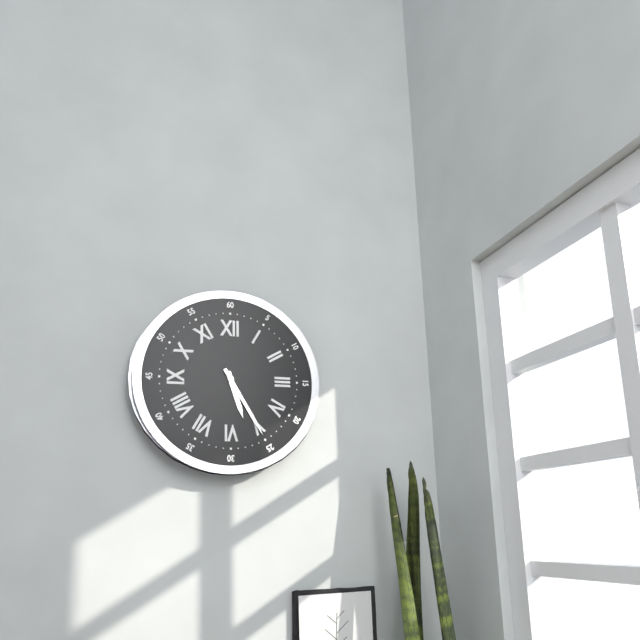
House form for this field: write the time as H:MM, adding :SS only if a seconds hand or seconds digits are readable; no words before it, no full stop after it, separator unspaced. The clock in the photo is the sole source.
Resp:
5:25
